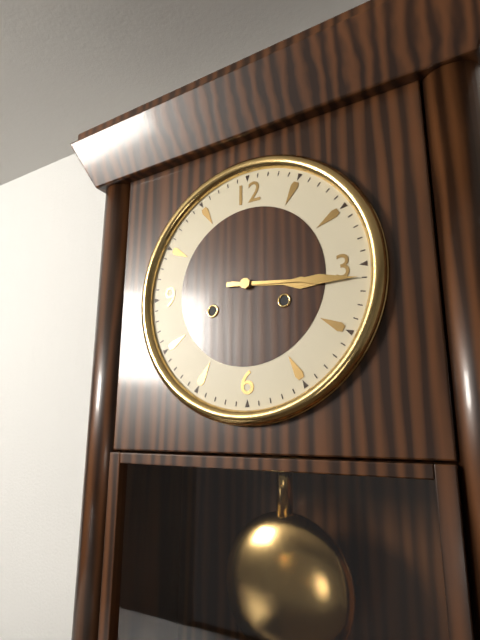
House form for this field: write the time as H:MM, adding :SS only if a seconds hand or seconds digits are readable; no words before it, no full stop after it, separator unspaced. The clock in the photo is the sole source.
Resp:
3:16
